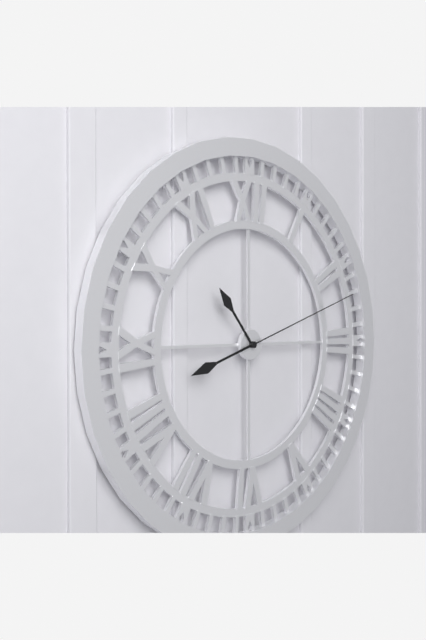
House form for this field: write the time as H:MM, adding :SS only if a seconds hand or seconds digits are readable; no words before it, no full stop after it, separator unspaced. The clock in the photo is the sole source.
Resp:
10:42:12
